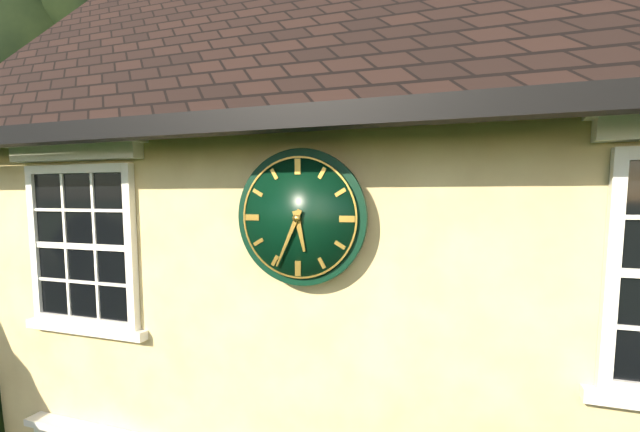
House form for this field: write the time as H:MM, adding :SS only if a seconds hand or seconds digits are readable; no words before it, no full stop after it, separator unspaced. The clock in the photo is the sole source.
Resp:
5:34
